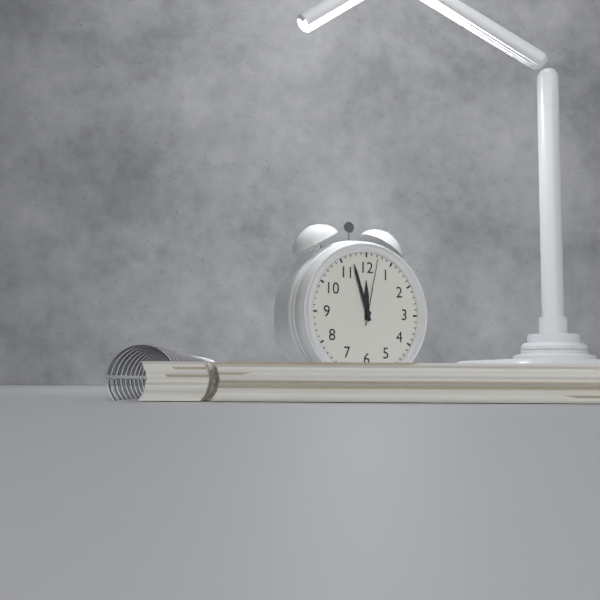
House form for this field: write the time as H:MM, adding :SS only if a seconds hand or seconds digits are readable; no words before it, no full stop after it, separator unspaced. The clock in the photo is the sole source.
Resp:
11:57:02
